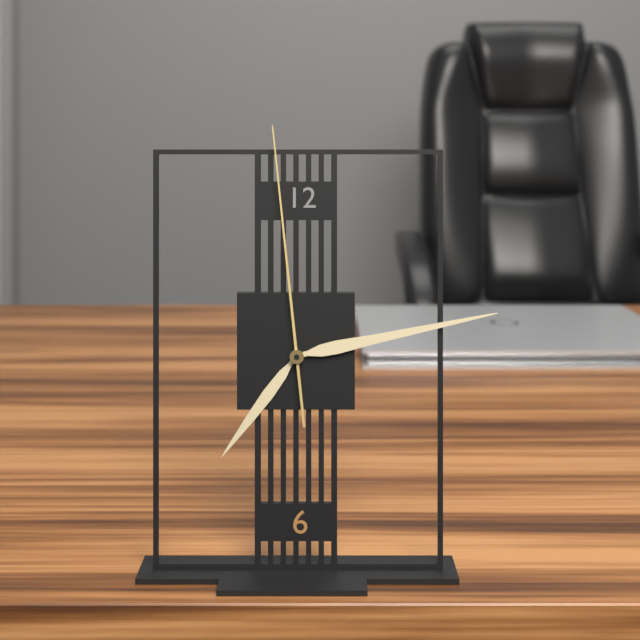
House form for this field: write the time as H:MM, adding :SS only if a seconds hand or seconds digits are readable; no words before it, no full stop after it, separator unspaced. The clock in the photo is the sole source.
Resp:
7:13:59
